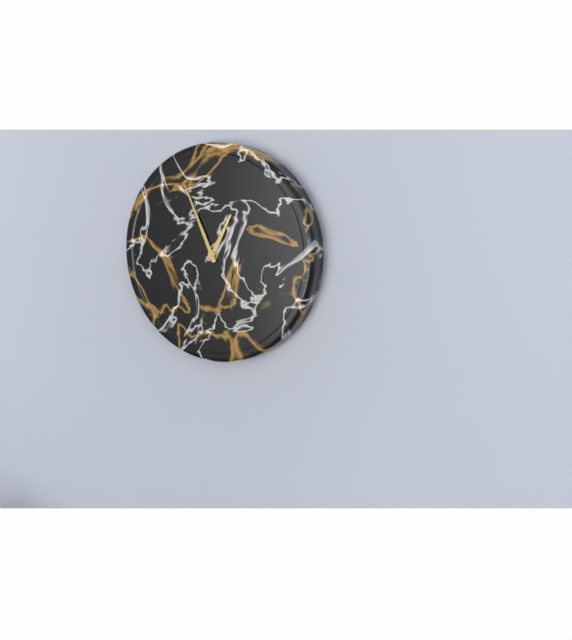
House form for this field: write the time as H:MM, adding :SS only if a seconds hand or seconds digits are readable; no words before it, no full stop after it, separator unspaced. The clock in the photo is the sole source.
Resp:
12:56
